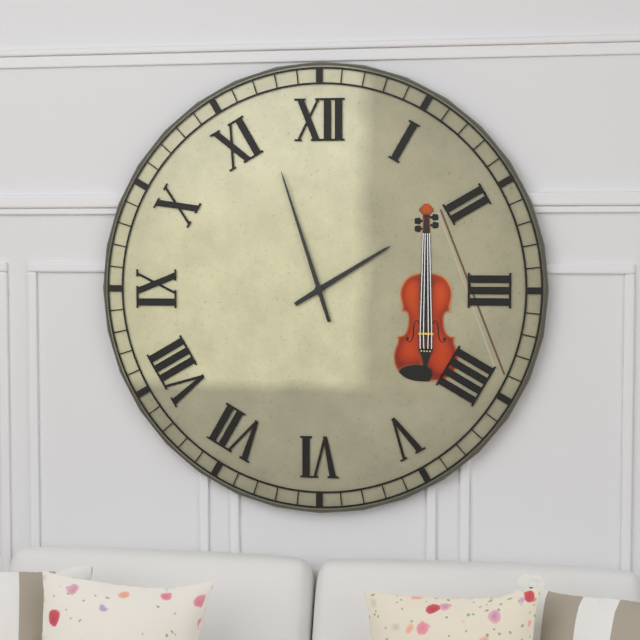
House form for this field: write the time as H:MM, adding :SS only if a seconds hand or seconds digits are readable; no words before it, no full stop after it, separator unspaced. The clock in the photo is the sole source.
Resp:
1:57
